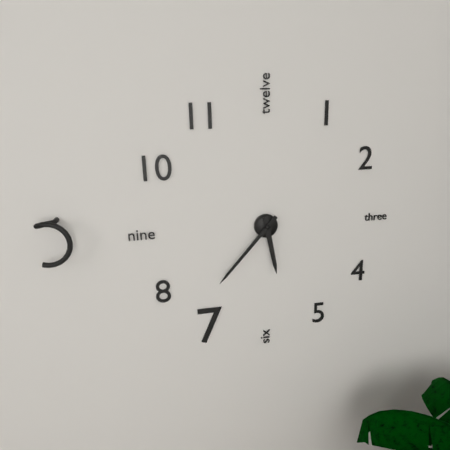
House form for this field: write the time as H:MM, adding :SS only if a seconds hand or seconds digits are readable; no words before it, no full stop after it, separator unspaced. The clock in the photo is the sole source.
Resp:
5:37
